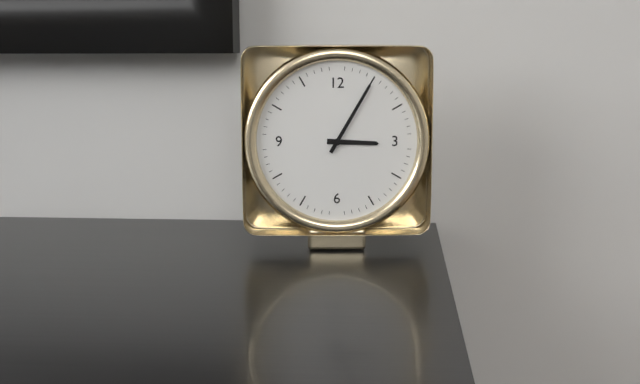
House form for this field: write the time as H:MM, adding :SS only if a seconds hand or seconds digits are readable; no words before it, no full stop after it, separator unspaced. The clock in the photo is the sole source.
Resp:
3:05
